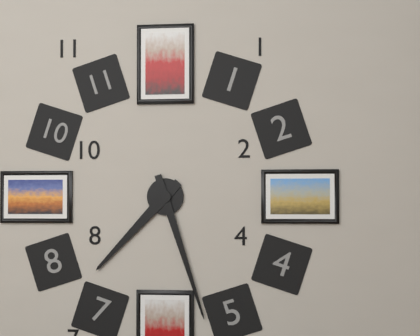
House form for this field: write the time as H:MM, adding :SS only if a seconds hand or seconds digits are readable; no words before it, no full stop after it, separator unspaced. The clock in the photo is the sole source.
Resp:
7:27
